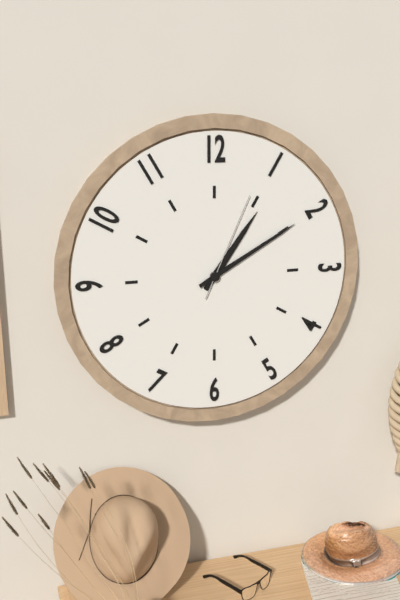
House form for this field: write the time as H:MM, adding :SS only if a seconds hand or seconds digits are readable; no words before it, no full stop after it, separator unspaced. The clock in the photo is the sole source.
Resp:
1:10:04
